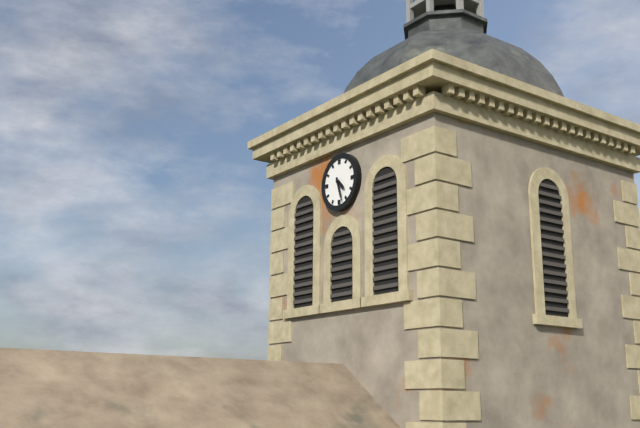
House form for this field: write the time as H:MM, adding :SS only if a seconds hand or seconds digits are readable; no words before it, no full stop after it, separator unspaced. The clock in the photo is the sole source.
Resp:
4:27
